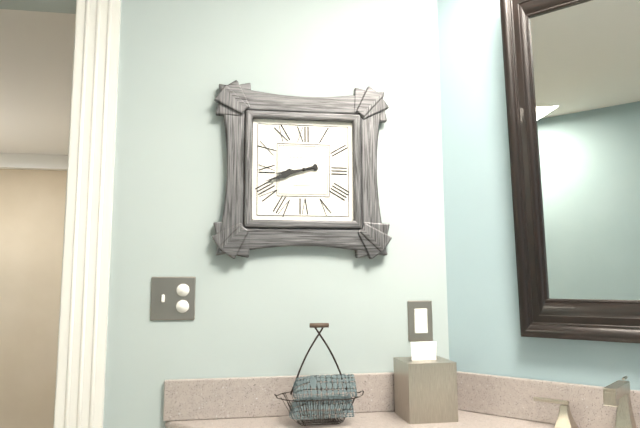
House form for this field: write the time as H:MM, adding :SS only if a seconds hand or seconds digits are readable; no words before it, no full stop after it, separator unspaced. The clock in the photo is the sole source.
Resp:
8:42
